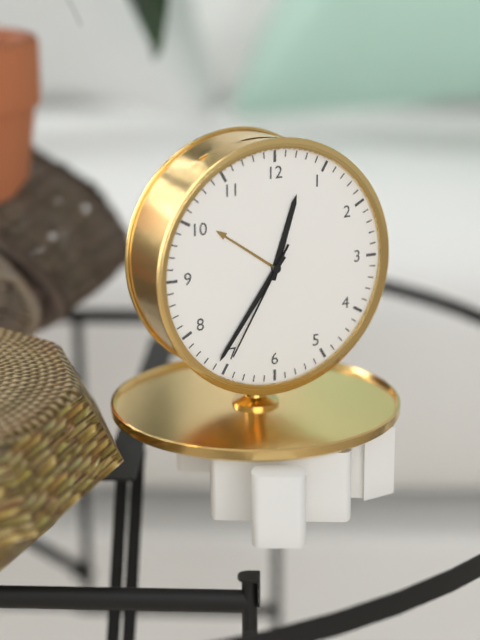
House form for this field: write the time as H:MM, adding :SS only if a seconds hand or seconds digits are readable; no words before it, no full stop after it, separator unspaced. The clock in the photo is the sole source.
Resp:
12:36:35
